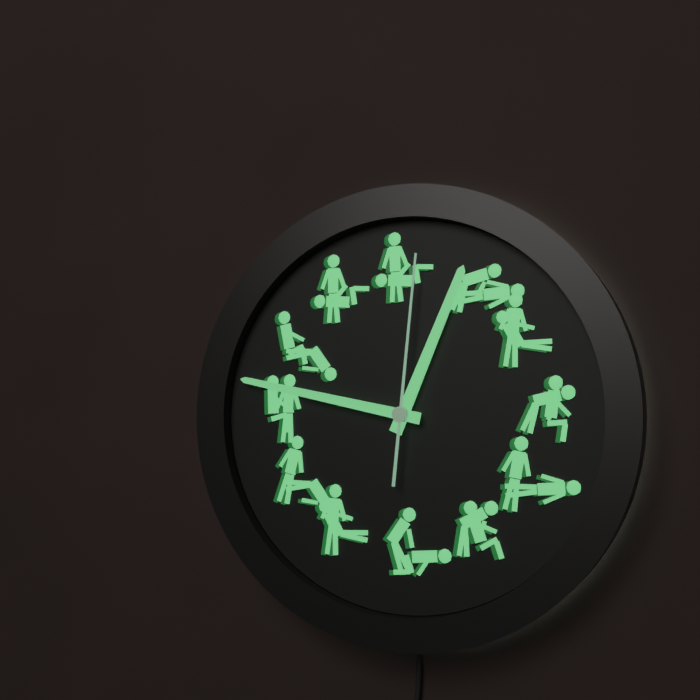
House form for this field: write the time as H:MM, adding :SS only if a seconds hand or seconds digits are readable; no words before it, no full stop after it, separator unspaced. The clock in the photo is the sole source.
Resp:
12:47:01
